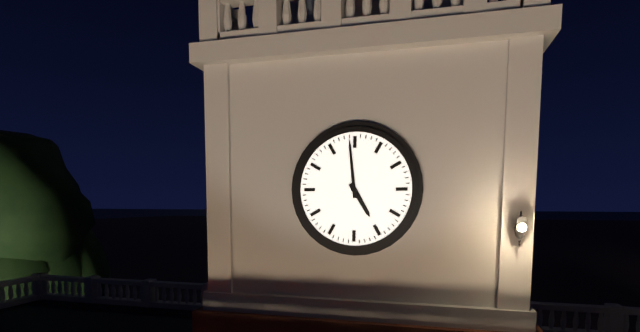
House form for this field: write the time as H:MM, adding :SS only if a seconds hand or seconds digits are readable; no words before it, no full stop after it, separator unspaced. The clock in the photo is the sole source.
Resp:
4:59
